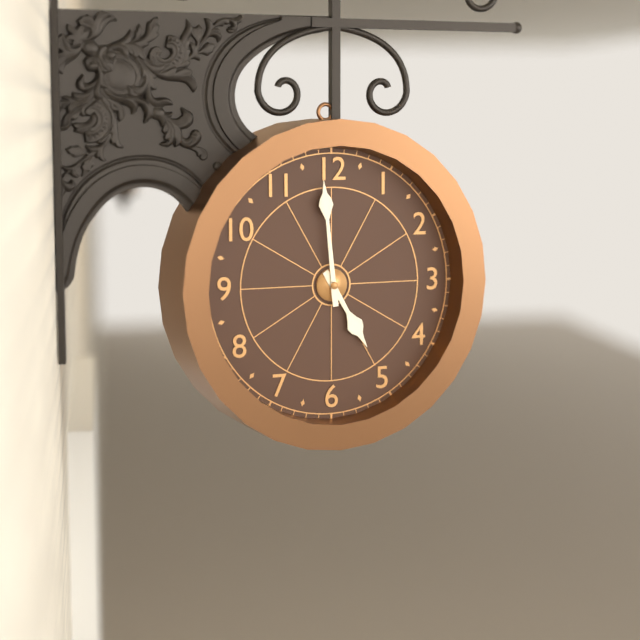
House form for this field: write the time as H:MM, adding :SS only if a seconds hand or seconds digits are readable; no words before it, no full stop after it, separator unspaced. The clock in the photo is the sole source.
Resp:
4:59
